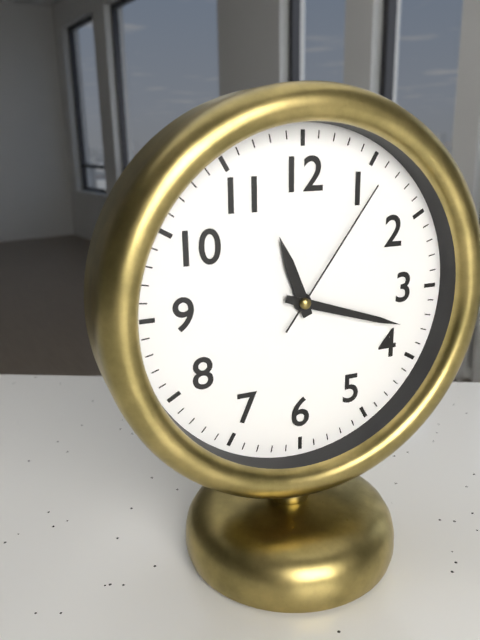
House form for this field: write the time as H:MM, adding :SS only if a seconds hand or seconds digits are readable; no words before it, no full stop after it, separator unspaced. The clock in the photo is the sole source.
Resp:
11:18:06
